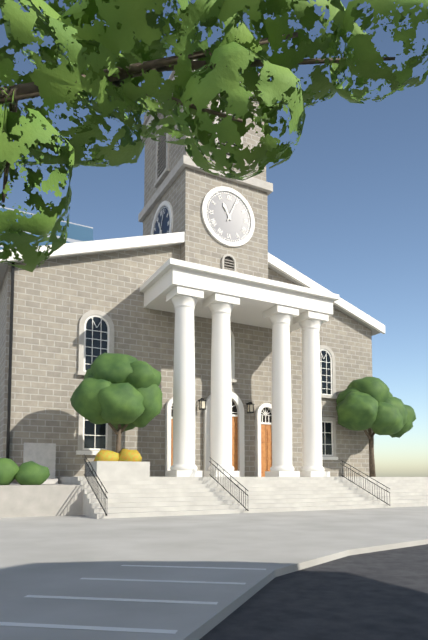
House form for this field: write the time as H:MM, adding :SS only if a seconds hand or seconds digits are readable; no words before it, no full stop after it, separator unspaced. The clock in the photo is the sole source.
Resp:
11:04
